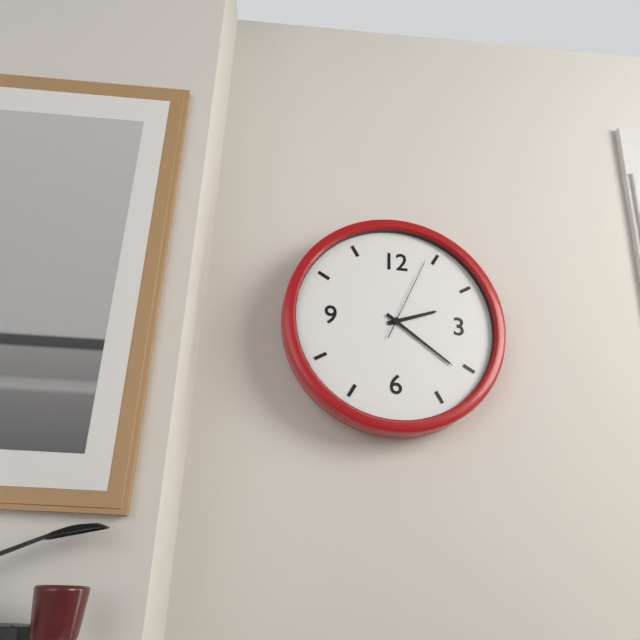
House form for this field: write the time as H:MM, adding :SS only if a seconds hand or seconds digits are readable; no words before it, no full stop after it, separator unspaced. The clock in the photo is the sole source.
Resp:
2:21:04
